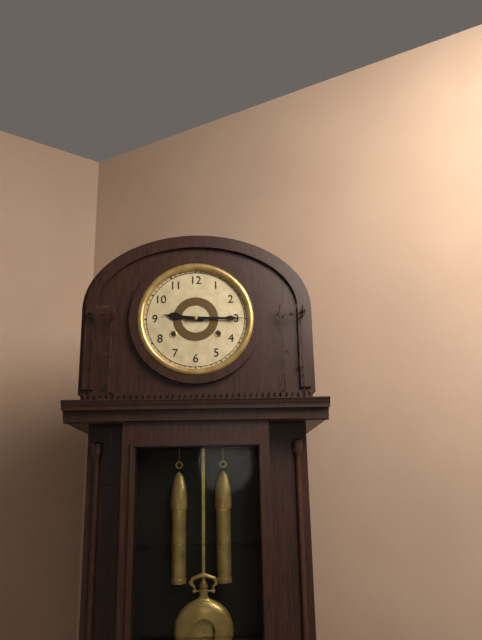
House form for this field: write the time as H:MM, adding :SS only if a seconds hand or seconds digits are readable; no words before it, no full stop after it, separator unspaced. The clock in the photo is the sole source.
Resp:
9:15
